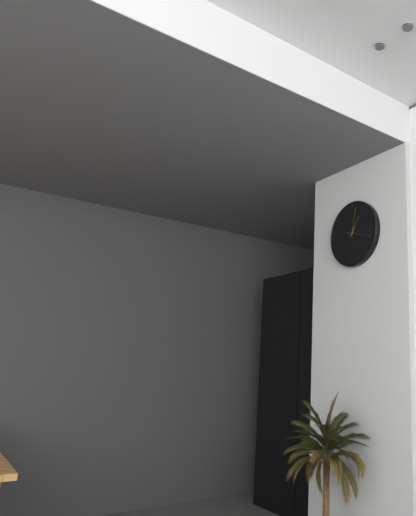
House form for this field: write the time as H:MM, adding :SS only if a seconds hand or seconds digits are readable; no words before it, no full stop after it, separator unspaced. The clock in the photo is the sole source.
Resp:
1:02
